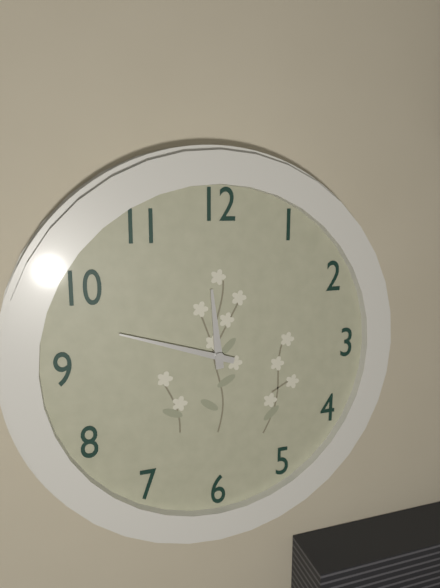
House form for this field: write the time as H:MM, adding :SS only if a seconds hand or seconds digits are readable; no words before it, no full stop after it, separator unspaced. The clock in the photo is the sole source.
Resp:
11:48
